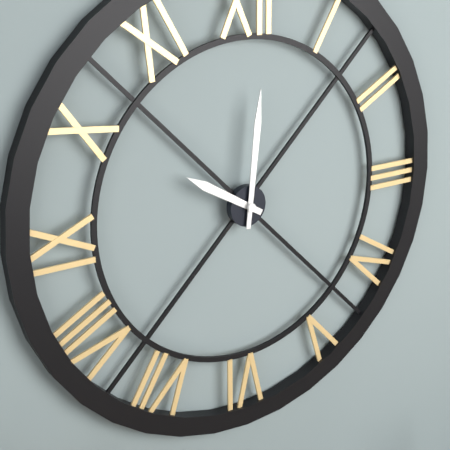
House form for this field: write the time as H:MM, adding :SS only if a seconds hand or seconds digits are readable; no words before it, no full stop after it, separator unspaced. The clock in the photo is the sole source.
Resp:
10:01
